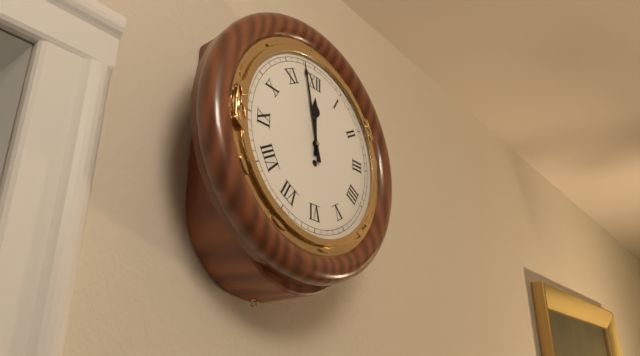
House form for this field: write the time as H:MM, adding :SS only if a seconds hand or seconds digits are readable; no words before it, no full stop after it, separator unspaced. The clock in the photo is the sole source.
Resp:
11:58
